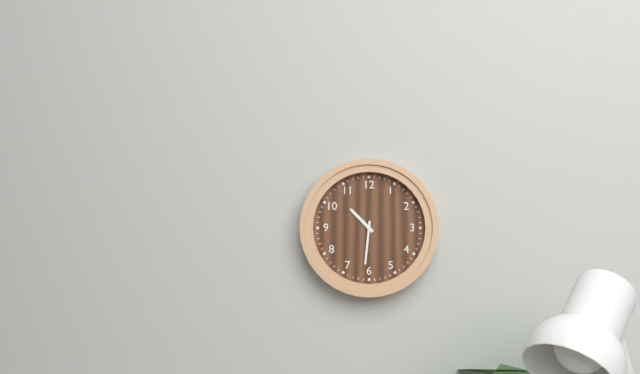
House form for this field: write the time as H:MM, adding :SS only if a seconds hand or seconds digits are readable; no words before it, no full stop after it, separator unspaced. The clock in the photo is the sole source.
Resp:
10:31
